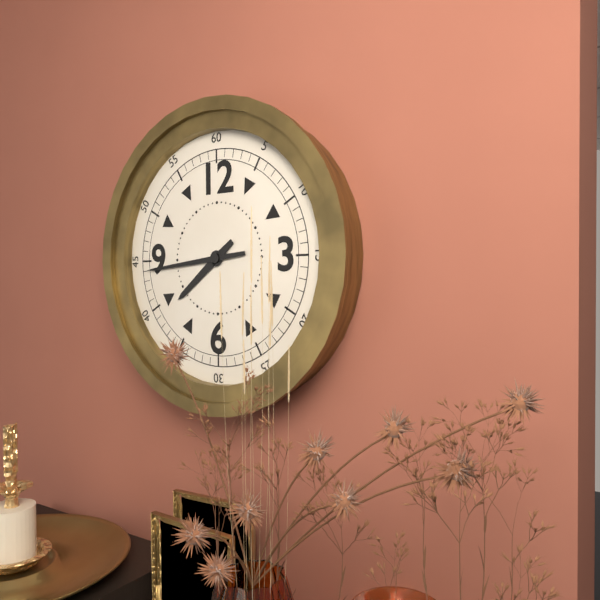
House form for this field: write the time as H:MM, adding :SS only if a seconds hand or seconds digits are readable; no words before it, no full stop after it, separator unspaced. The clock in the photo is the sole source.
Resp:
7:44
